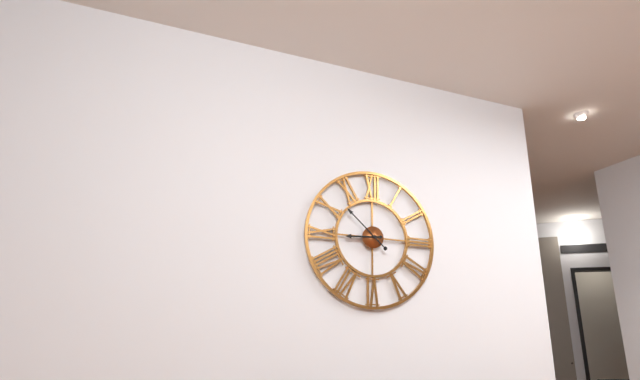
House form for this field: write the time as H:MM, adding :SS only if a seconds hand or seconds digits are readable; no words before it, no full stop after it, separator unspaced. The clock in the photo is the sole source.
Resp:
8:52
